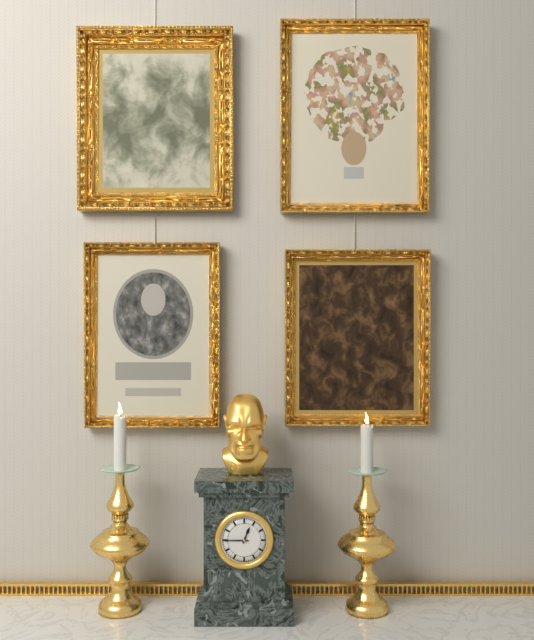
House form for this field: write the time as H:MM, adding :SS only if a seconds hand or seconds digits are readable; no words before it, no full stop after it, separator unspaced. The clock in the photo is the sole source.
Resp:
12:45
